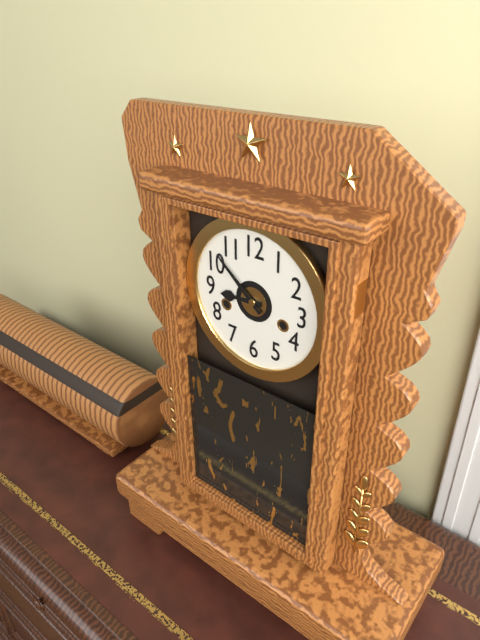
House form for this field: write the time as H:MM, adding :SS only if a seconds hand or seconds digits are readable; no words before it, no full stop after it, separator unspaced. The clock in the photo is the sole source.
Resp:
8:52
